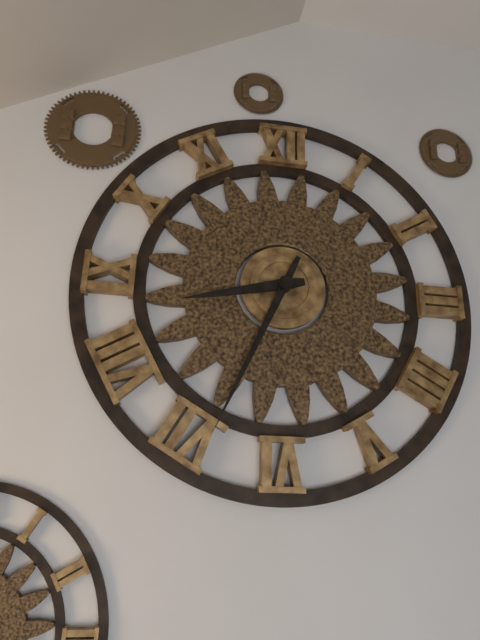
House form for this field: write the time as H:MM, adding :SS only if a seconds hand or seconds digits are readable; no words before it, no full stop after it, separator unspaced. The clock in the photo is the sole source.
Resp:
8:34
